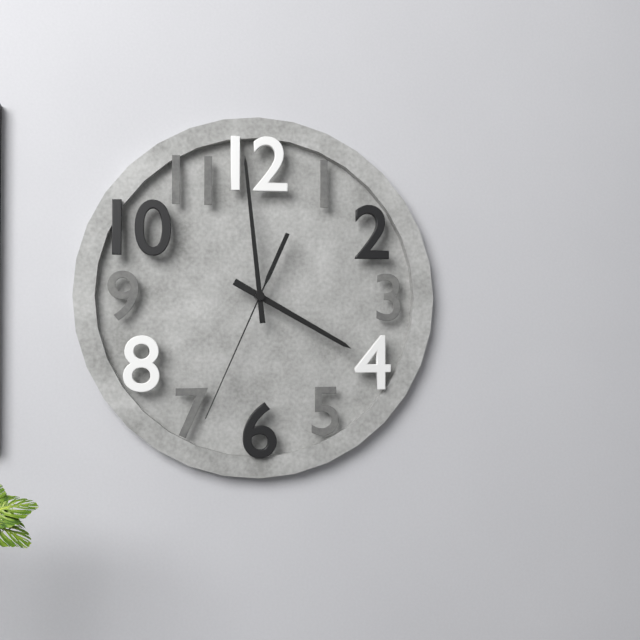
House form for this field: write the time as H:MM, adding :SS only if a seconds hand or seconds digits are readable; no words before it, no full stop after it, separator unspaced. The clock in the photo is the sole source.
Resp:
3:59:34
